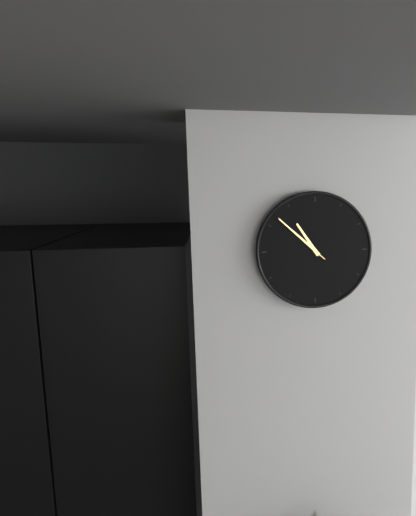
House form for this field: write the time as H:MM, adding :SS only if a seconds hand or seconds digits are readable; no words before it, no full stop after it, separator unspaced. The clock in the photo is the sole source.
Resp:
10:52:52
